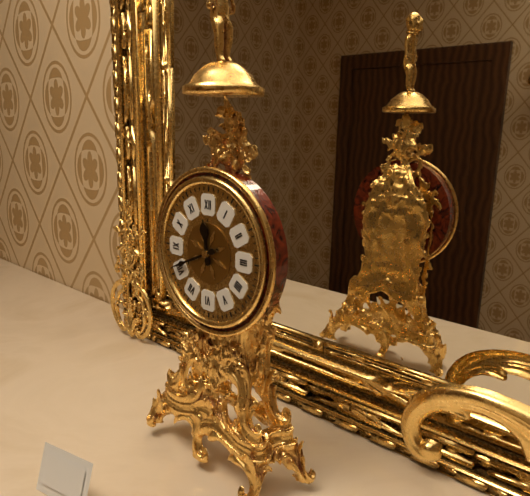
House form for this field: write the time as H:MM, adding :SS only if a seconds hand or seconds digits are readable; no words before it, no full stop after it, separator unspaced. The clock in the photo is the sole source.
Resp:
11:41
